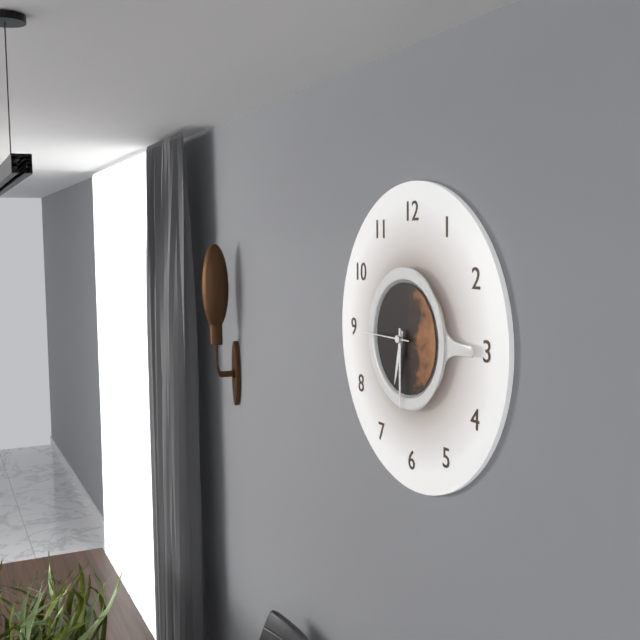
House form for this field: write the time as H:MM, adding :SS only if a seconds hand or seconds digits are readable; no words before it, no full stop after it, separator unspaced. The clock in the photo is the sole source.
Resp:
6:30
